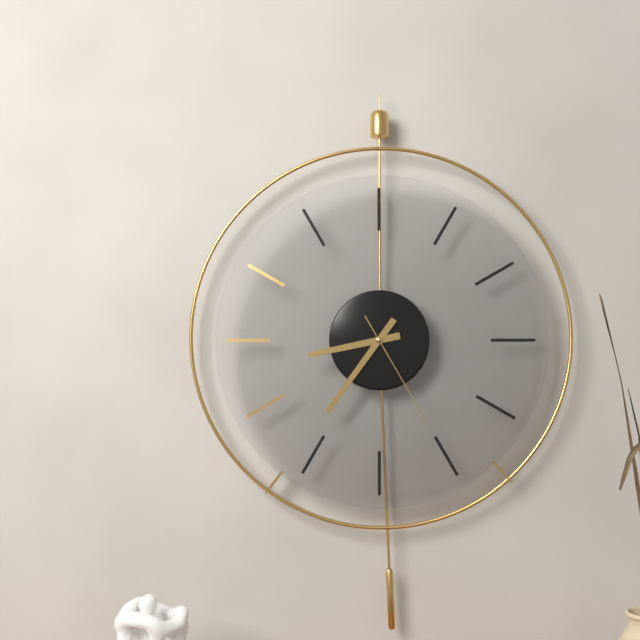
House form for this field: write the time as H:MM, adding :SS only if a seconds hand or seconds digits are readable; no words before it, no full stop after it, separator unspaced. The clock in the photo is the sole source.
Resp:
8:36:25
